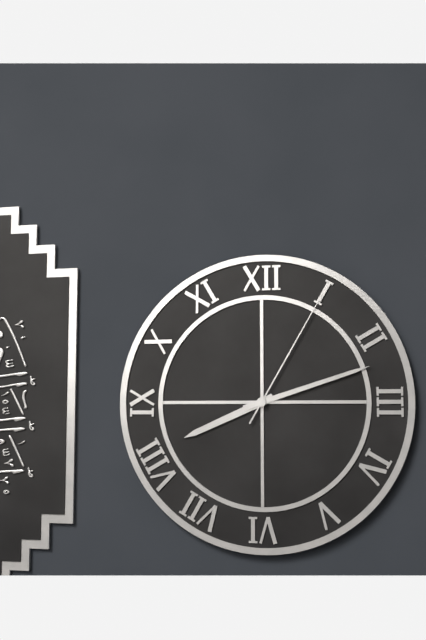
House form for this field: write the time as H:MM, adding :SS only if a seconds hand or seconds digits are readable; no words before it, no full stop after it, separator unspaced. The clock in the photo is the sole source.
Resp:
8:12:05
